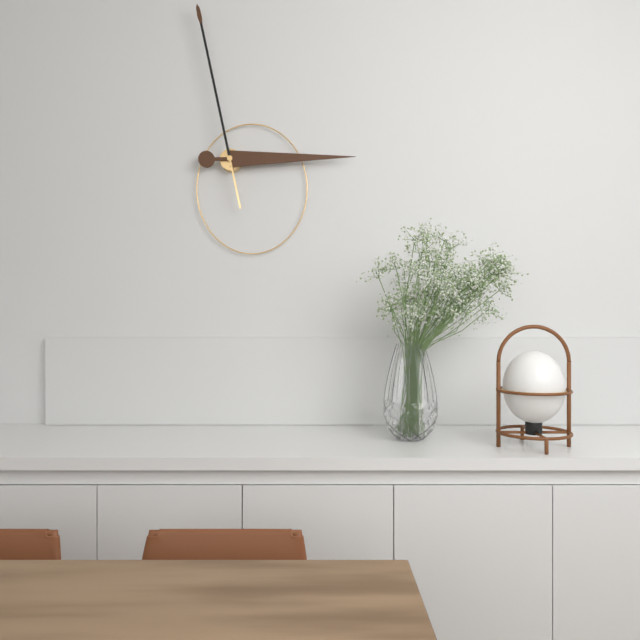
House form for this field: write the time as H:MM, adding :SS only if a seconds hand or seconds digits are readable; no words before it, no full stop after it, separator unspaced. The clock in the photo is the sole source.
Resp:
2:58
